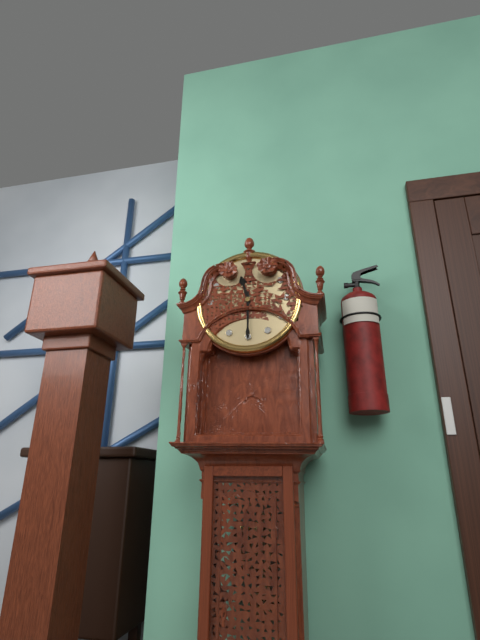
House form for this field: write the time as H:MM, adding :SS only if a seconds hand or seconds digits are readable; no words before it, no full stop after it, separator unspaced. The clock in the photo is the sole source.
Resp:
11:30
